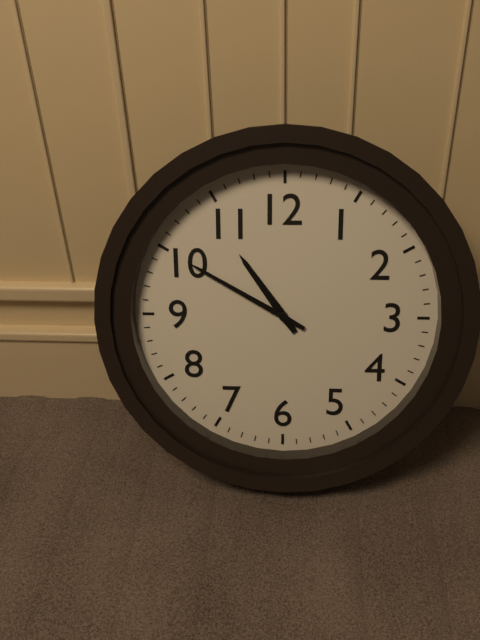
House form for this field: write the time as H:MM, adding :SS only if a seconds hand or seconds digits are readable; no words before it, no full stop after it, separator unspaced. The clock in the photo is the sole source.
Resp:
10:50
